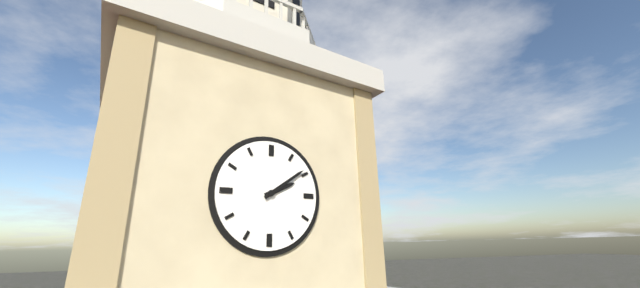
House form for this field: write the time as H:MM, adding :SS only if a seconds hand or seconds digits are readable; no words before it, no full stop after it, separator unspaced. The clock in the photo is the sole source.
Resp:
2:09
